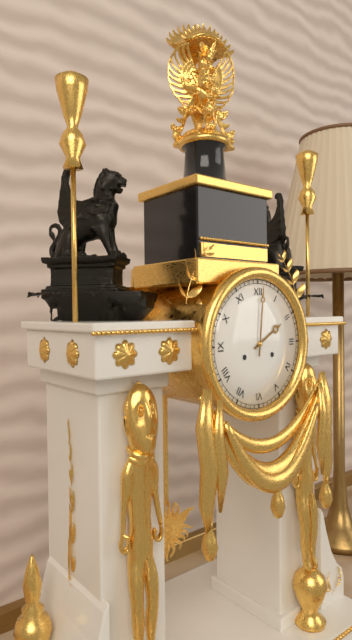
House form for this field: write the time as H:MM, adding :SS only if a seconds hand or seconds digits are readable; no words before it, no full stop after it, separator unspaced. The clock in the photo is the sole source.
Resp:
2:01
